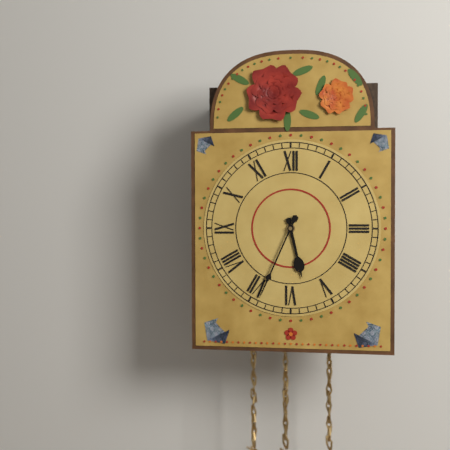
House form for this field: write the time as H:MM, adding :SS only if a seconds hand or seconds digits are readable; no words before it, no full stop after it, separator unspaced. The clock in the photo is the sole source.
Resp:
5:34
